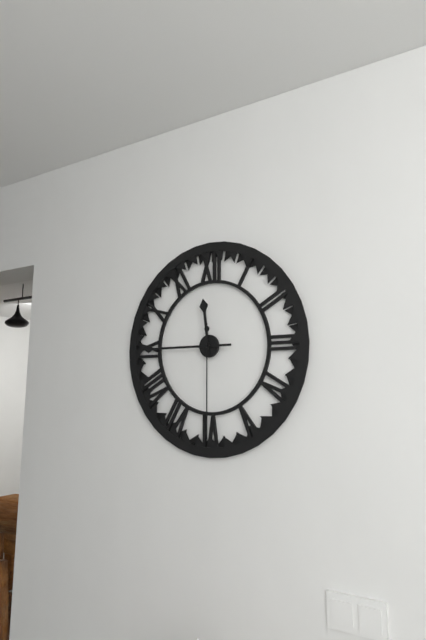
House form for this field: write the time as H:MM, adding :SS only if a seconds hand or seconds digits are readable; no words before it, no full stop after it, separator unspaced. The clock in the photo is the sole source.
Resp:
11:45:30
